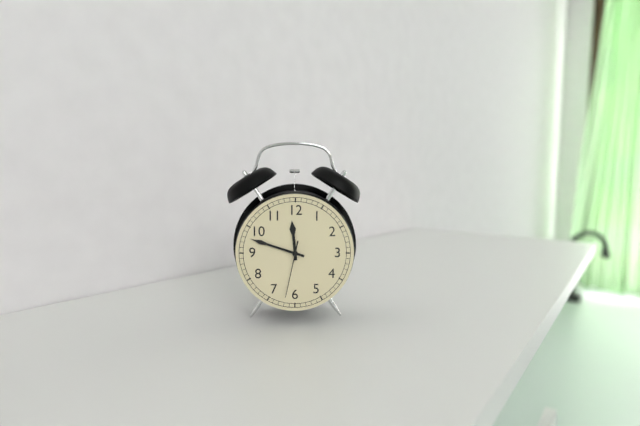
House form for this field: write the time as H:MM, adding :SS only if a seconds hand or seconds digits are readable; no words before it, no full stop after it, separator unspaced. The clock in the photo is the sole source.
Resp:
11:48:32
